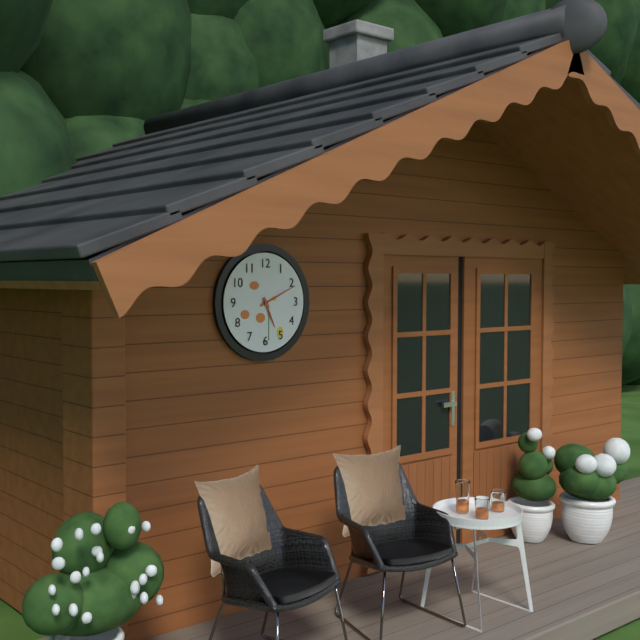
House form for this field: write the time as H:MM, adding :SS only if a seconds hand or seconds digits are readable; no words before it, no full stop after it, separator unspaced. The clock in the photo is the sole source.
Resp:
5:11
